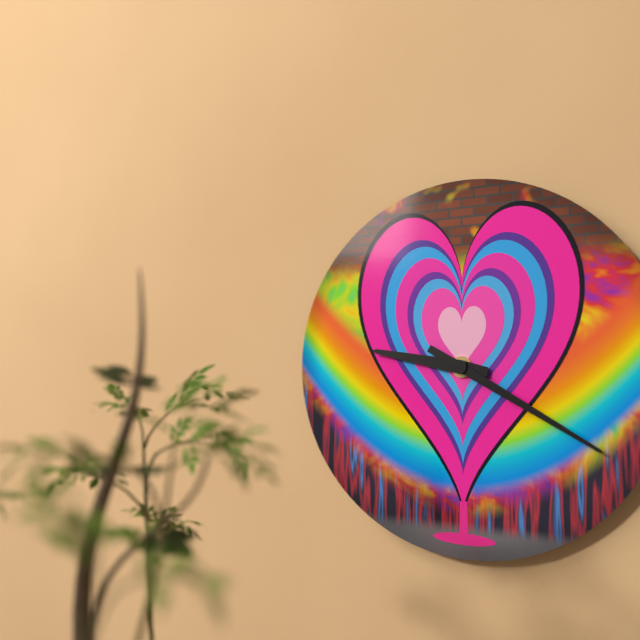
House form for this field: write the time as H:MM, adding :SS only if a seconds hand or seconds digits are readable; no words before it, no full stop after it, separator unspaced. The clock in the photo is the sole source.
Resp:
9:20
